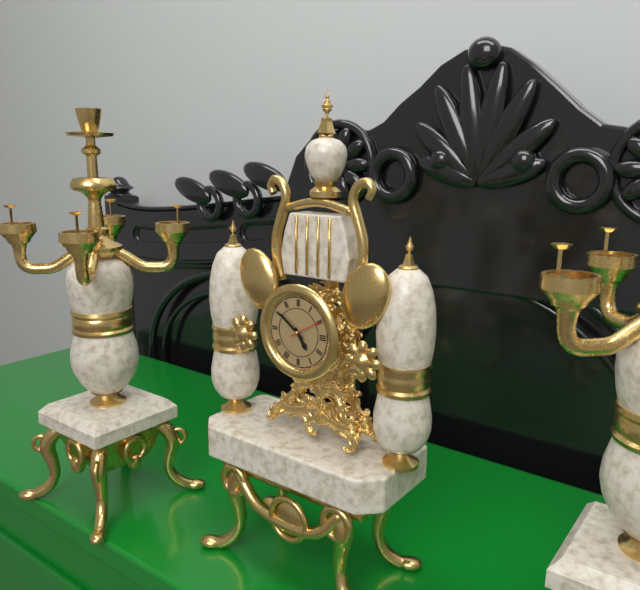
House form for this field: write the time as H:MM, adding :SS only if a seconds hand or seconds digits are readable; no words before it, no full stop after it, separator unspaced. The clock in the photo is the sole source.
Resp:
4:51
